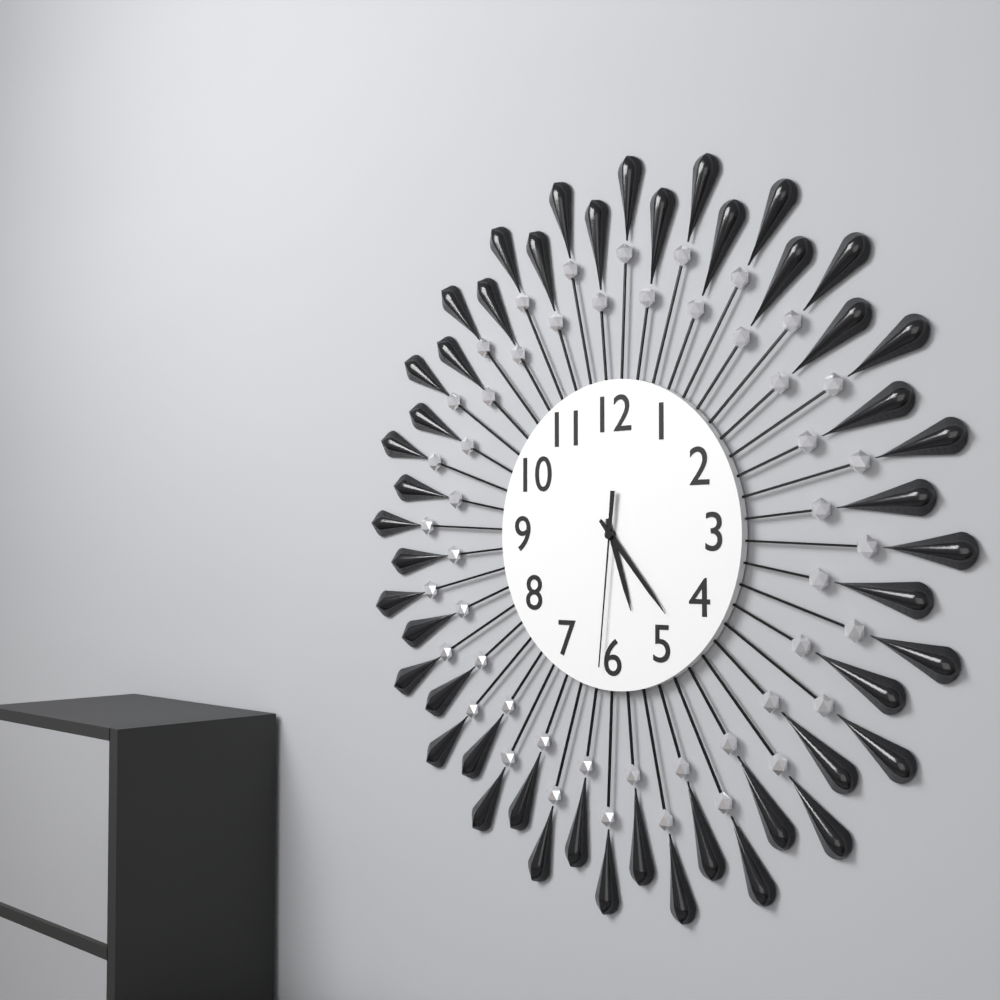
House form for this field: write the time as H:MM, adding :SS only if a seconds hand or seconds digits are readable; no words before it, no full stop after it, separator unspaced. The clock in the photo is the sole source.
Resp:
5:23:31
